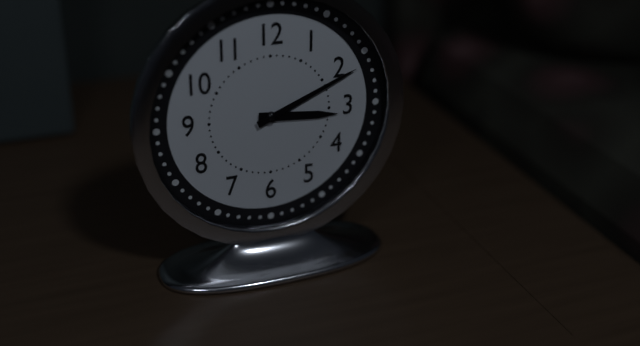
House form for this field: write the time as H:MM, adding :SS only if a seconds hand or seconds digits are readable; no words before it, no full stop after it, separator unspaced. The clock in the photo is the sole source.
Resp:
3:11
